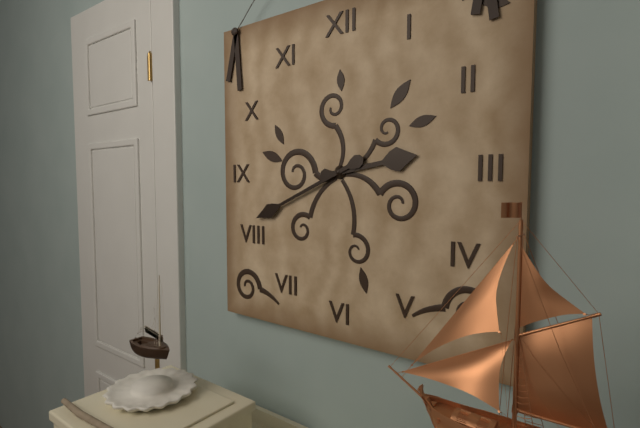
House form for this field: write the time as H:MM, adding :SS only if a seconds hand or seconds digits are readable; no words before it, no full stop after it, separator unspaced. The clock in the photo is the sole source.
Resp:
2:41
